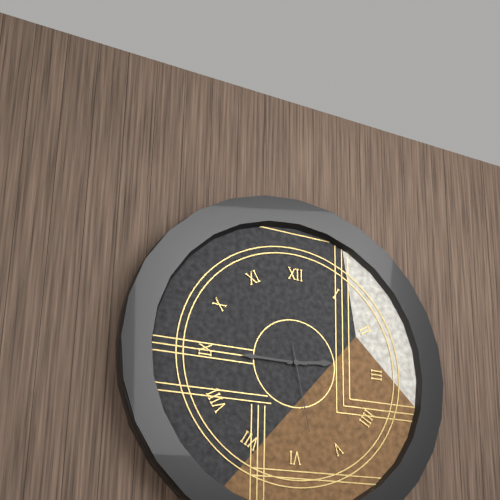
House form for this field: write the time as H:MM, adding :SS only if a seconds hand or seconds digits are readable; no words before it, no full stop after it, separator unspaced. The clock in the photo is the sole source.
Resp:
2:45:28
